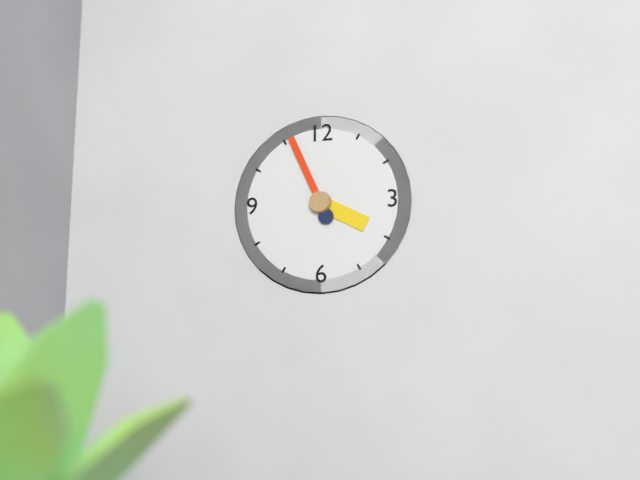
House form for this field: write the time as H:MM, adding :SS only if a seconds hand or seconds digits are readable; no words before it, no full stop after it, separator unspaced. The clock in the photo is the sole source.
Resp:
3:56
